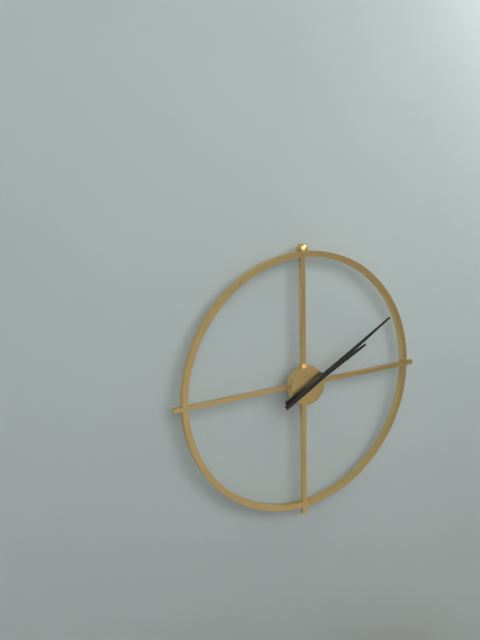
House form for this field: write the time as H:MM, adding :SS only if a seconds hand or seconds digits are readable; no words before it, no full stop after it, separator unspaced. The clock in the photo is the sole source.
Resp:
2:10
